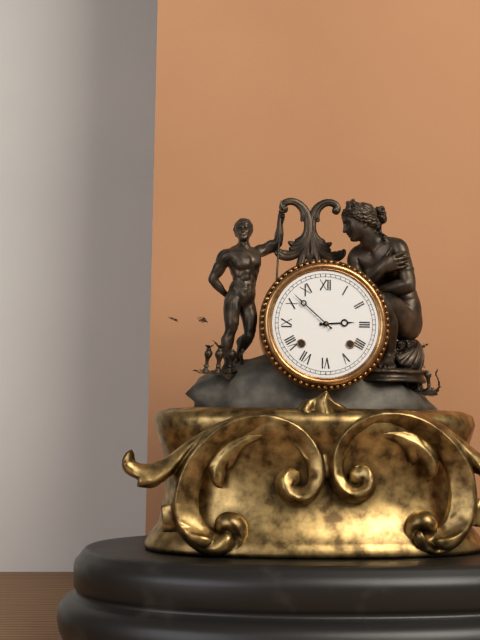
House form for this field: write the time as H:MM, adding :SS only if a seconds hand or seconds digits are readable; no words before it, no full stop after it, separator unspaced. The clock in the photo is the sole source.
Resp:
2:52
